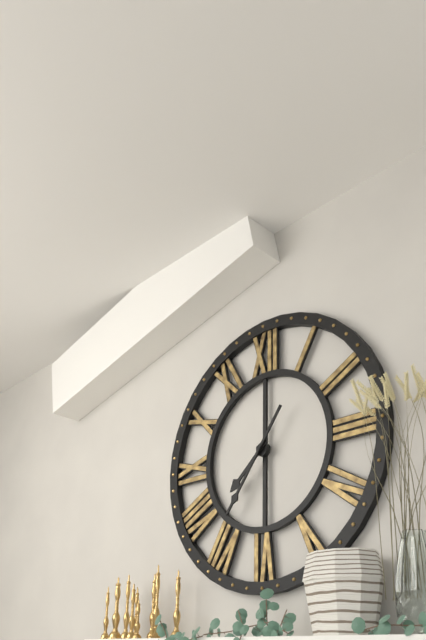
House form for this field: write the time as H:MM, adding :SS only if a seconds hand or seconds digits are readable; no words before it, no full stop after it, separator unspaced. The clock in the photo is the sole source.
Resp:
7:36
